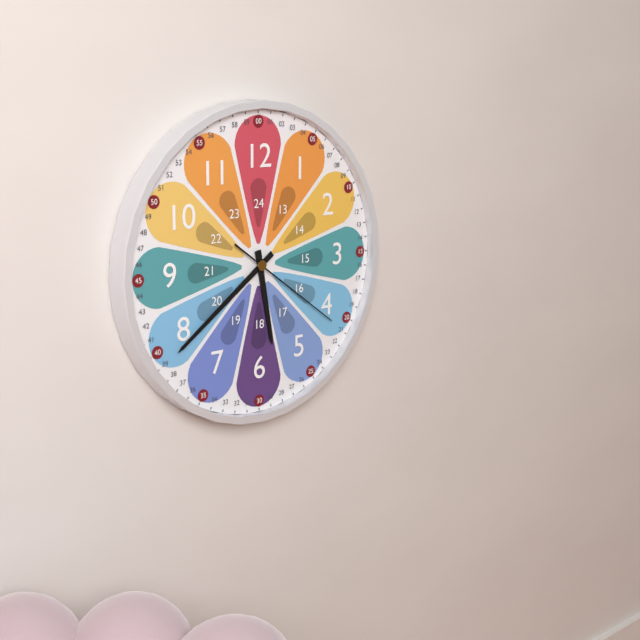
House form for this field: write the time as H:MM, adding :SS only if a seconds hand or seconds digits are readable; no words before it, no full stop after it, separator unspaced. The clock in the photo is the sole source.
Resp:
5:39:21
